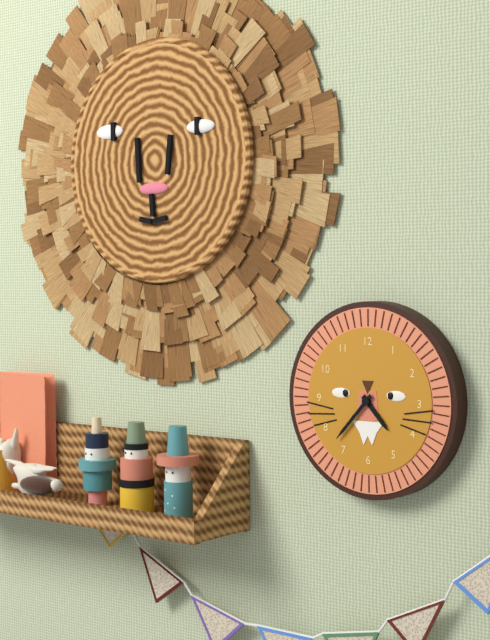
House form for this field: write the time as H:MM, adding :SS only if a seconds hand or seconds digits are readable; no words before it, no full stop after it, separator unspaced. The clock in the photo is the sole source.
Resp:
4:37
